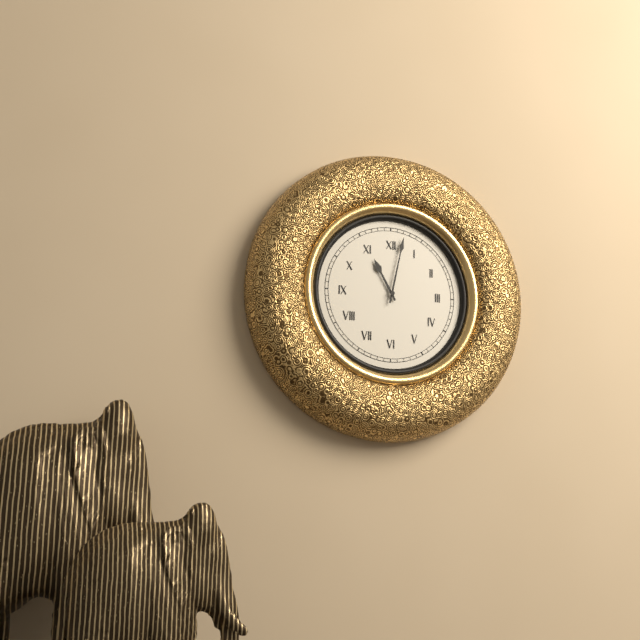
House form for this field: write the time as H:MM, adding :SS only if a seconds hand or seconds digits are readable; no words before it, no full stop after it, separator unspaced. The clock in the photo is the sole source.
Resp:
11:02
